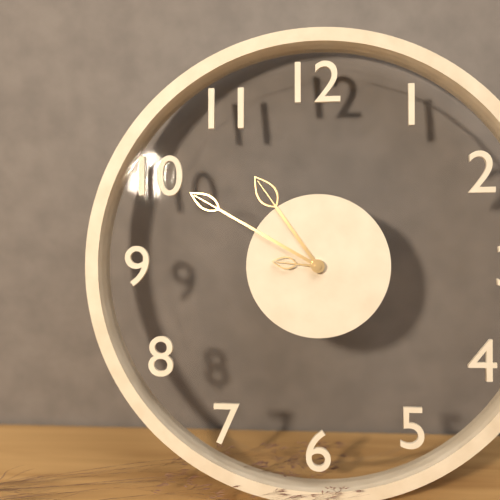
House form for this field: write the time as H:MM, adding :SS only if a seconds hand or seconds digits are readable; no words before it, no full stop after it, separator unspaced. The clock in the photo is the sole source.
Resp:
10:50:46
